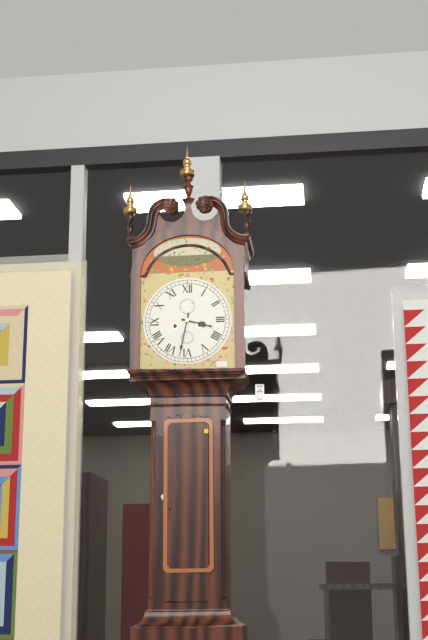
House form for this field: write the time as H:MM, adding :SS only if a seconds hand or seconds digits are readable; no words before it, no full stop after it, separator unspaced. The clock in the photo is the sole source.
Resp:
3:32
